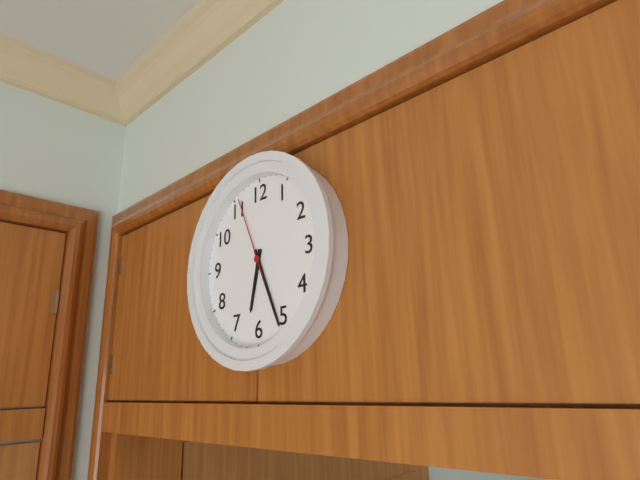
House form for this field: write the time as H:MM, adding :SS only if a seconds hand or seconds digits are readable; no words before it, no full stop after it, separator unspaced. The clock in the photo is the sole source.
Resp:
6:26:56
